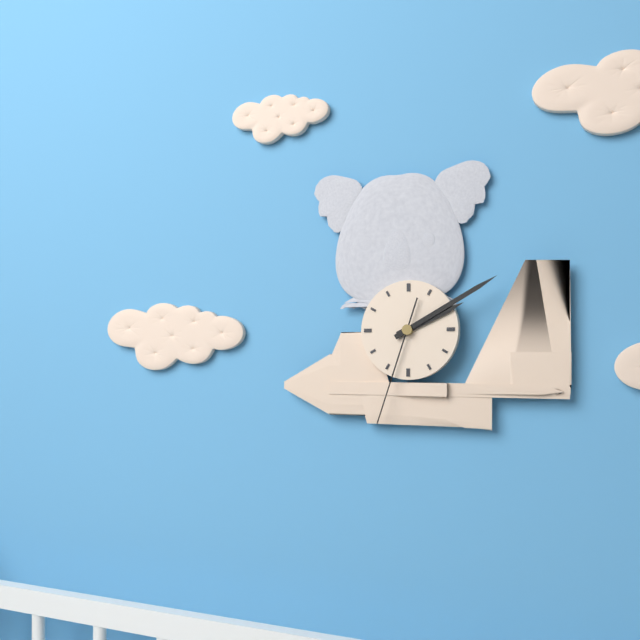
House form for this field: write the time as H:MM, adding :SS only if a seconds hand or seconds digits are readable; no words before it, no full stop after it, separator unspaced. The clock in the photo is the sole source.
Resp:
2:10:33
